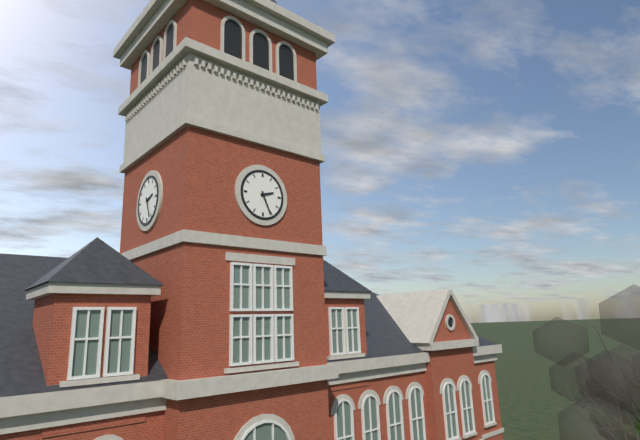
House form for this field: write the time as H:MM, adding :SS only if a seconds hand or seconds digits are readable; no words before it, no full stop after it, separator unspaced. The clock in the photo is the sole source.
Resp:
2:26
